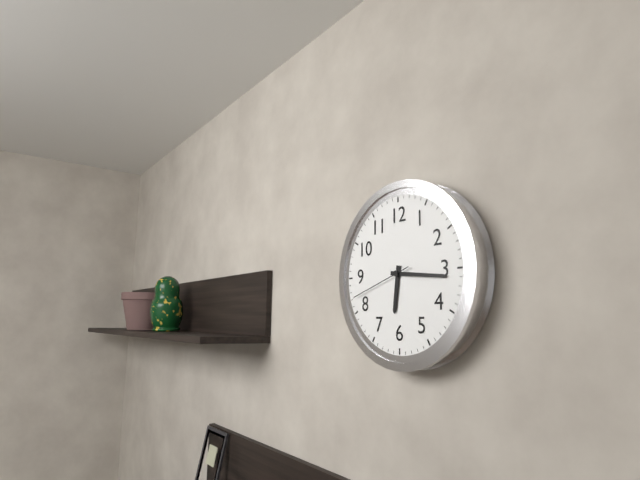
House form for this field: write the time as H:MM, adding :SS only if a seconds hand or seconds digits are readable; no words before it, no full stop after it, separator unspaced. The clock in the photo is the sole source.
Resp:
6:16:42
